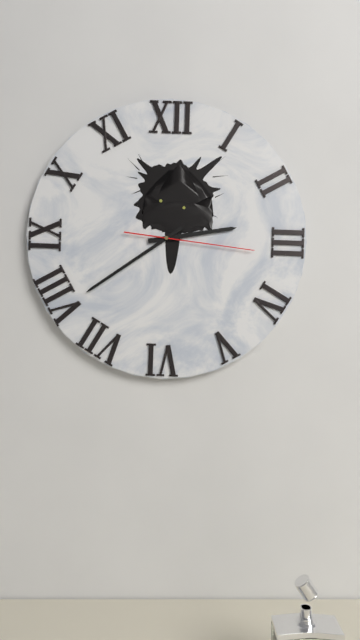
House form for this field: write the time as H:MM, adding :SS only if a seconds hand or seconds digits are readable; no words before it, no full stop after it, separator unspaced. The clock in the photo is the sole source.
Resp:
2:39:16
